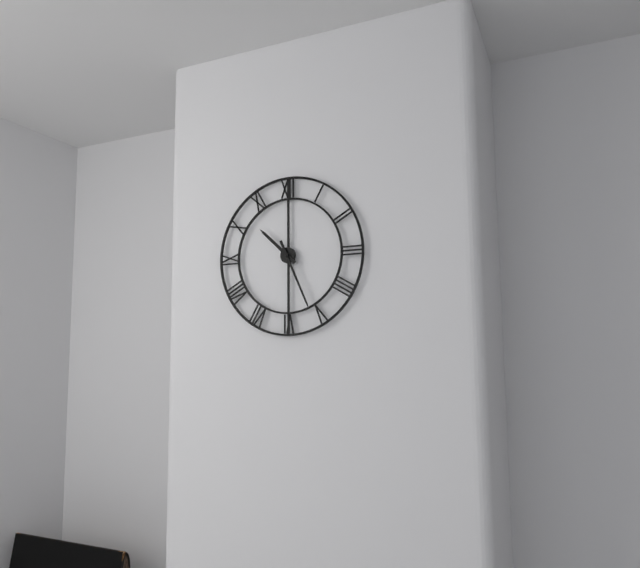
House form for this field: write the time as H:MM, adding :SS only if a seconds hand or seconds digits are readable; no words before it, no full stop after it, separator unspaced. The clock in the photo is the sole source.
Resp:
10:26
